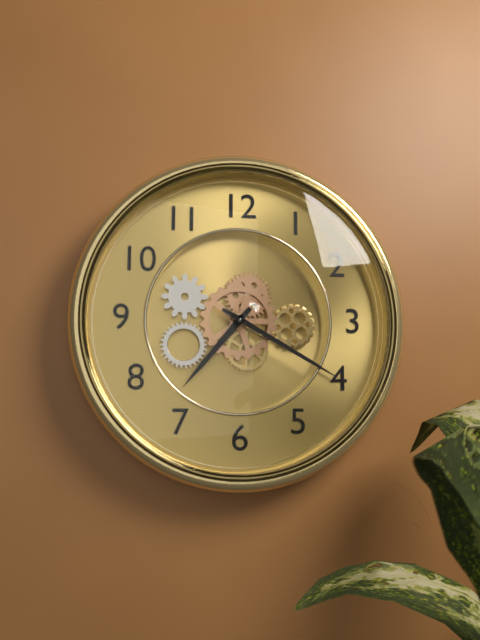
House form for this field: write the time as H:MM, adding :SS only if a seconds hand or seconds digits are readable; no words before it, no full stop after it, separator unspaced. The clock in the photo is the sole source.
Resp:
7:20
